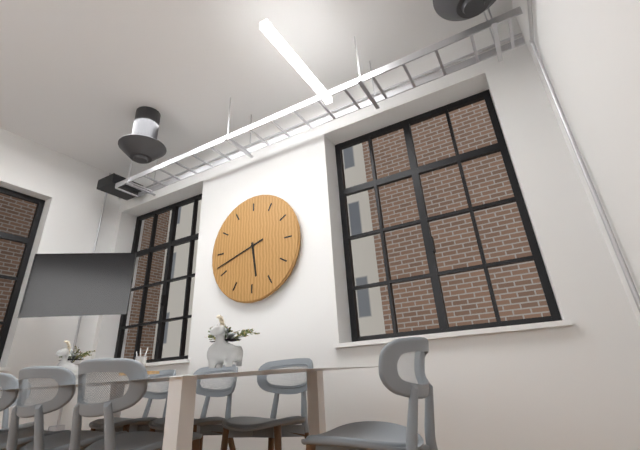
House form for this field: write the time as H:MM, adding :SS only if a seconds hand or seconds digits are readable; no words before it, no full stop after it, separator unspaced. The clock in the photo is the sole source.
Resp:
5:42
